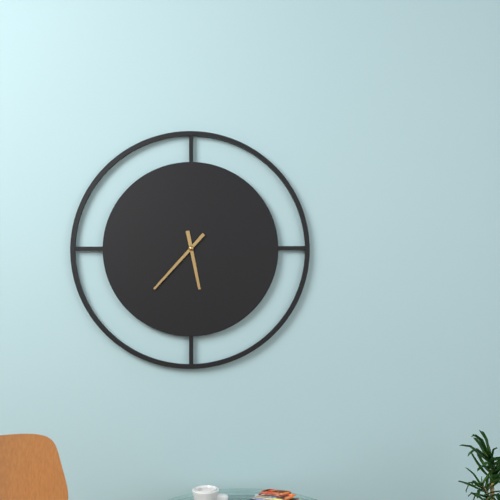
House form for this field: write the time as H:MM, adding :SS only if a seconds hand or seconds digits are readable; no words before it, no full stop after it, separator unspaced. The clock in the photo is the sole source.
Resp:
5:37
